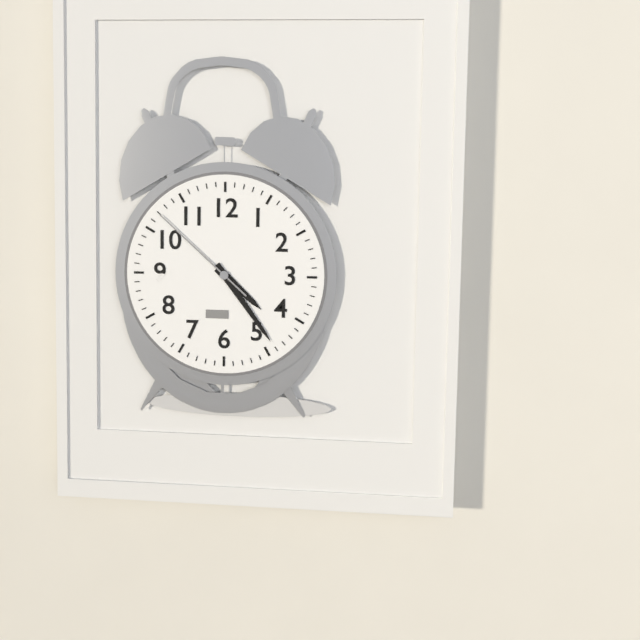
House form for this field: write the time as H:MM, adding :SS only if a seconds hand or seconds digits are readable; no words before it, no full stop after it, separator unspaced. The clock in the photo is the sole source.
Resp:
4:24:52
